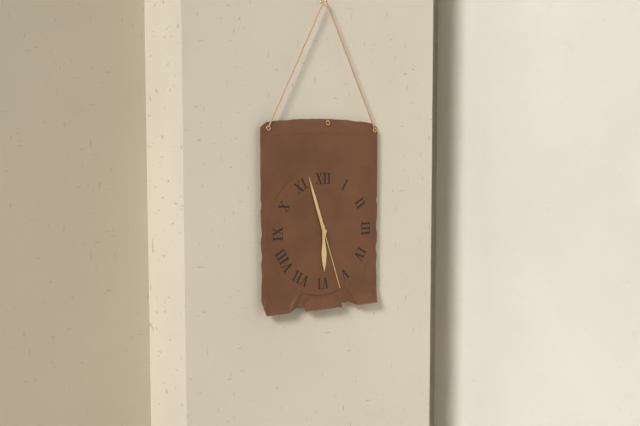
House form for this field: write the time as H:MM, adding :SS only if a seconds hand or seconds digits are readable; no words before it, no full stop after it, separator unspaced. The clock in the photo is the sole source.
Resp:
5:57:27
